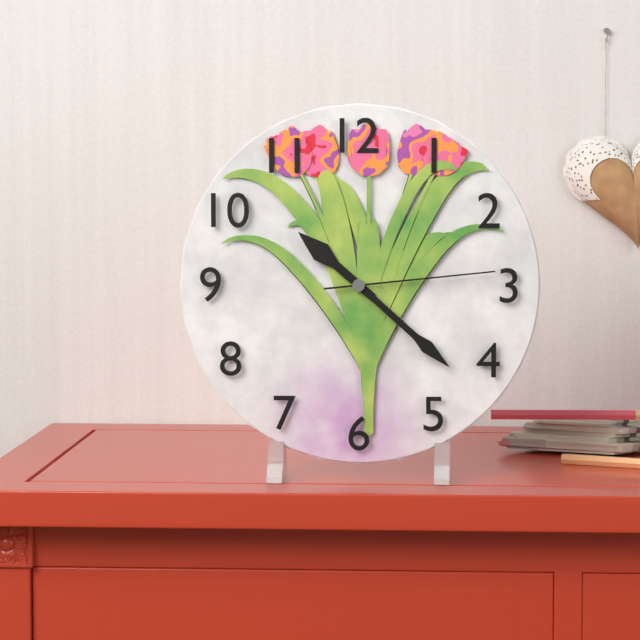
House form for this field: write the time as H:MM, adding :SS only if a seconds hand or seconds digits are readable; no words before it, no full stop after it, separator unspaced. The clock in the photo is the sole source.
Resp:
10:22:14
